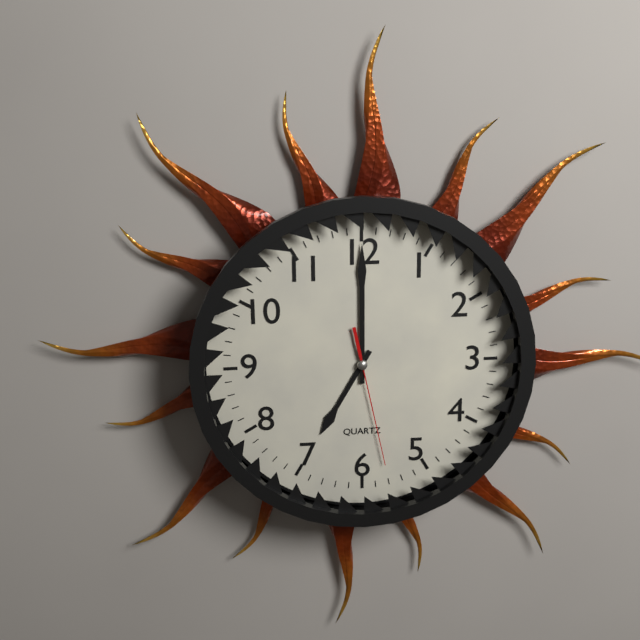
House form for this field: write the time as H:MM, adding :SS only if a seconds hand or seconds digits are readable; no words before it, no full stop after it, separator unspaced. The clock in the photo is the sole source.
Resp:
7:00:28
